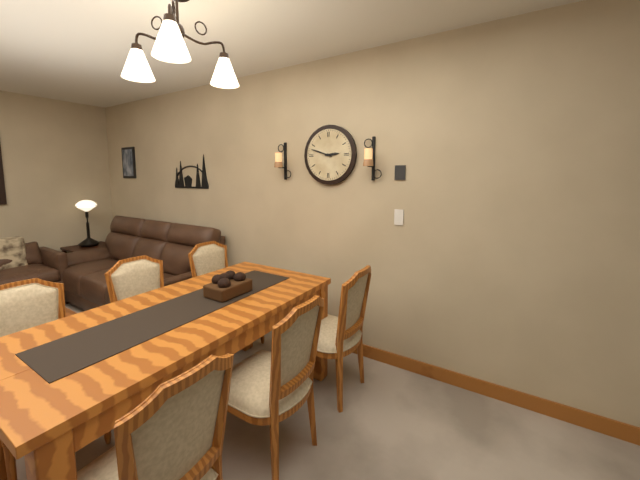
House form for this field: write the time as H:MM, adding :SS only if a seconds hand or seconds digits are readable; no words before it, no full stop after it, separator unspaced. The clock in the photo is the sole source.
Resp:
2:48
